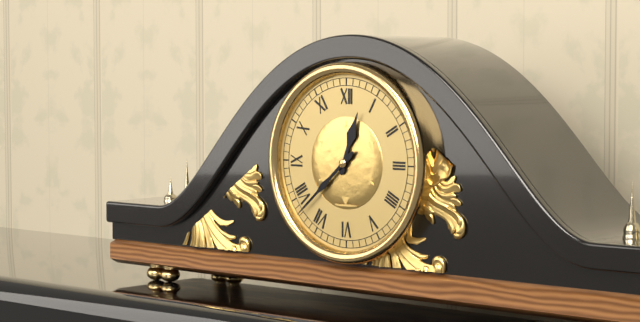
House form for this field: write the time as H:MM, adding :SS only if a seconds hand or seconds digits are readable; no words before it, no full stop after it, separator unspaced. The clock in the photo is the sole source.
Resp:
12:38
